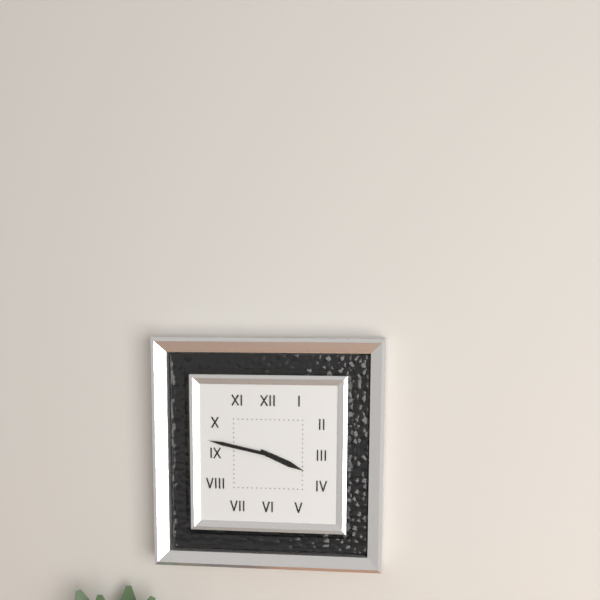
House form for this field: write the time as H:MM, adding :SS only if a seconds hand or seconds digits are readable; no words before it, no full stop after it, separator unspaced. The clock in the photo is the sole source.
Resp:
3:47
